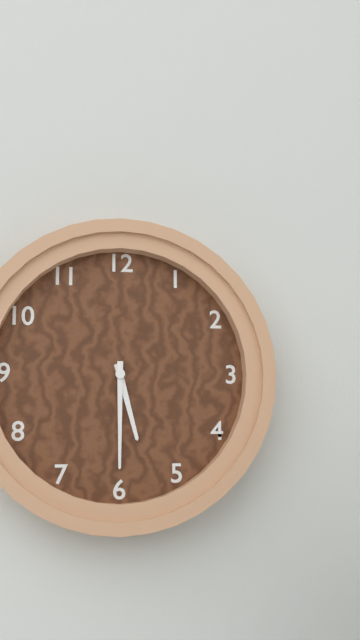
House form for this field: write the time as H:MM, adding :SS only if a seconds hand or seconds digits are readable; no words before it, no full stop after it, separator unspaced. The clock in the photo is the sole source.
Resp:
5:30
